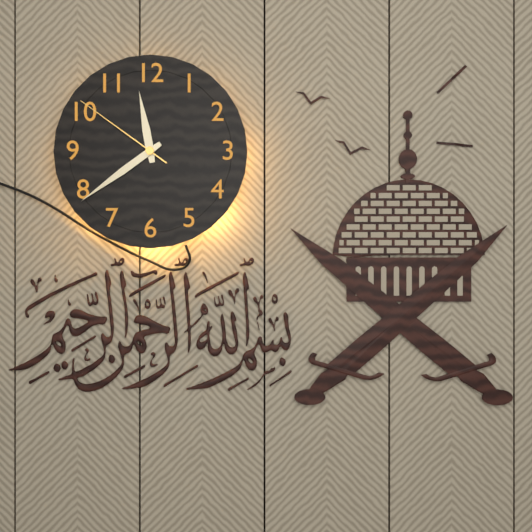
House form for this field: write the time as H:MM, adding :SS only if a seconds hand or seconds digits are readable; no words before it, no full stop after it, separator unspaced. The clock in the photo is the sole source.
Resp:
11:39:51
